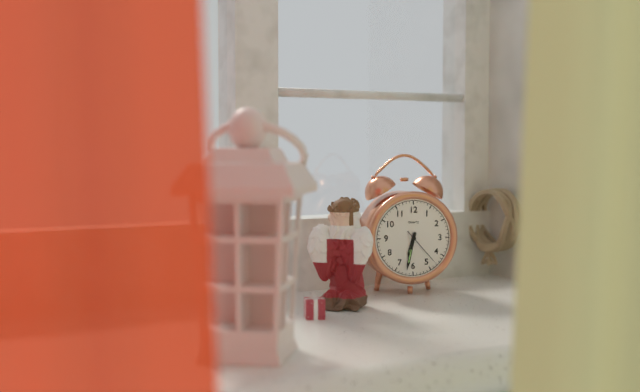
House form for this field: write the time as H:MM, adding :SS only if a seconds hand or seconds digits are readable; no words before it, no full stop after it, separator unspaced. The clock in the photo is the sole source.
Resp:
6:32:23
